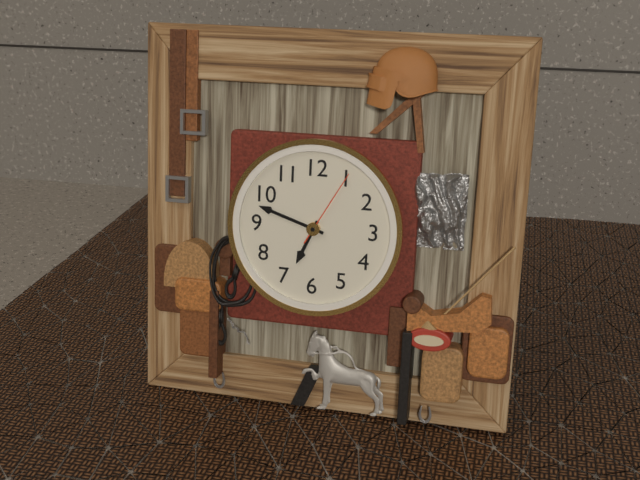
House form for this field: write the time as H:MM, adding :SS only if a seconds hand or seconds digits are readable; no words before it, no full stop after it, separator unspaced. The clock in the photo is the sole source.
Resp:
6:48:05
